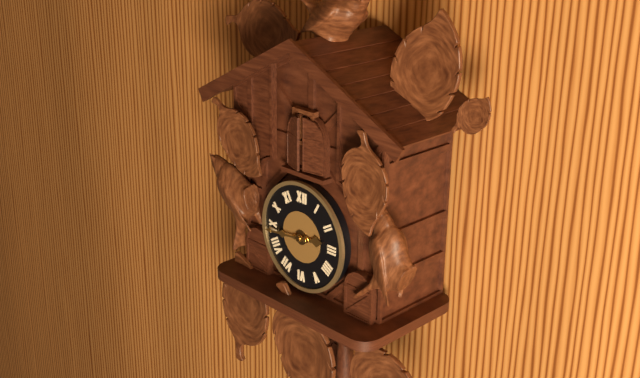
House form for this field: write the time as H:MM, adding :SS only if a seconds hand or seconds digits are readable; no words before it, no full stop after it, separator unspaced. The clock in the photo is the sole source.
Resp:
2:44
